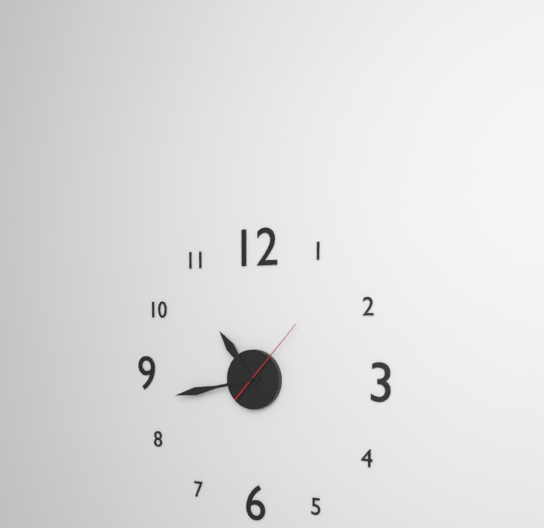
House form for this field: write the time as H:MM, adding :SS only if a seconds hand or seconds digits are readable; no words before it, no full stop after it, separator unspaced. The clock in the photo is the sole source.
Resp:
10:43:07
